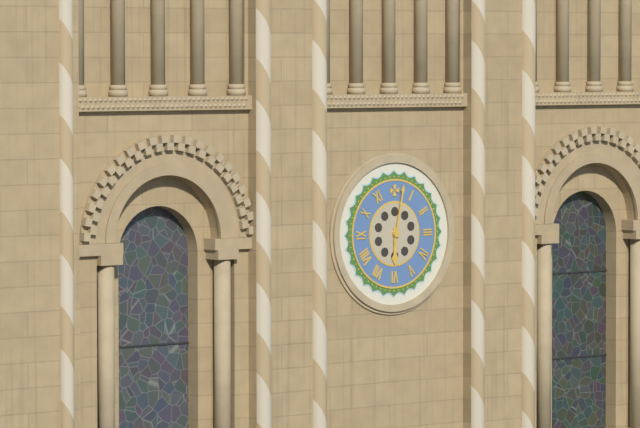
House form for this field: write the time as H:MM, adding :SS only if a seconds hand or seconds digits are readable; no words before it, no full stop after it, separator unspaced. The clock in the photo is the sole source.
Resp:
6:02
